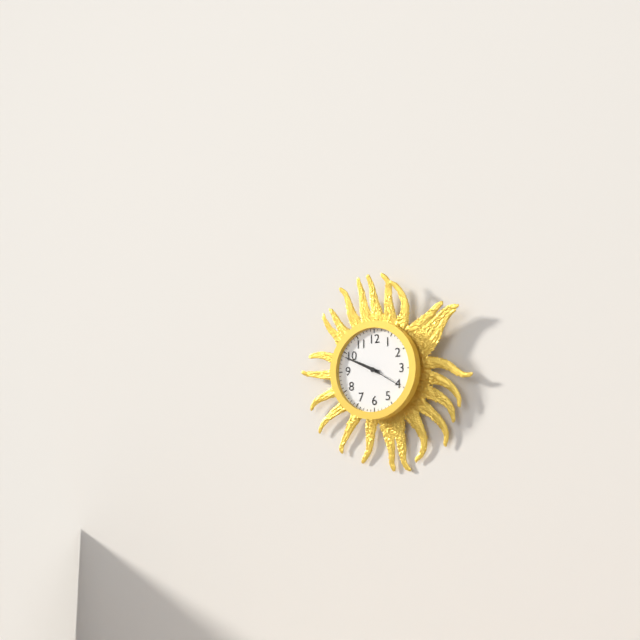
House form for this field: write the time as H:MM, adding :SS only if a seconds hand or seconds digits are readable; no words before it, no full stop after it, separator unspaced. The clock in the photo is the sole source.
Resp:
9:49
